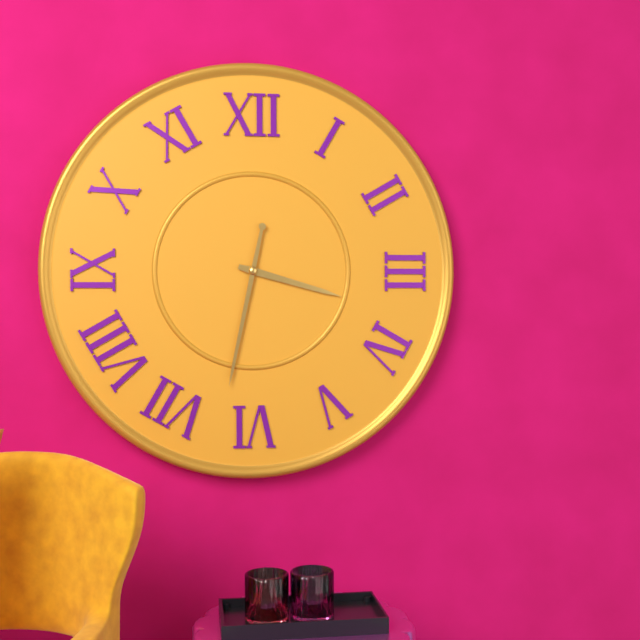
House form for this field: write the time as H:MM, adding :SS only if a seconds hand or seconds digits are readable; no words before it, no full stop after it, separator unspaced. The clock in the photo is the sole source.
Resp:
3:32
